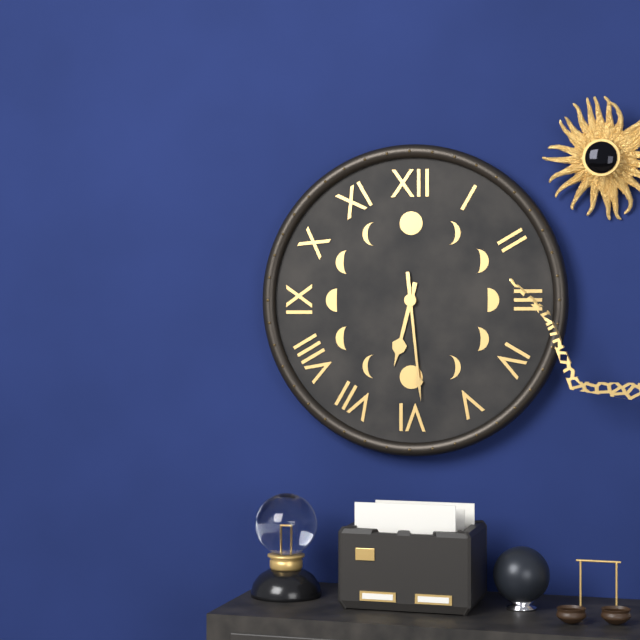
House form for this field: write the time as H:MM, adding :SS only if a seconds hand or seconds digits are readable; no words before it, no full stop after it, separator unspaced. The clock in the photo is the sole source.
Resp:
6:29
